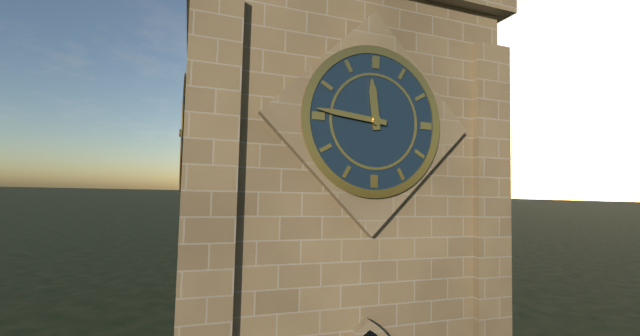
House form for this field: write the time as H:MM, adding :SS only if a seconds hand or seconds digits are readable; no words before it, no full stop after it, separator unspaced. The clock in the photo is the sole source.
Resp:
11:46
